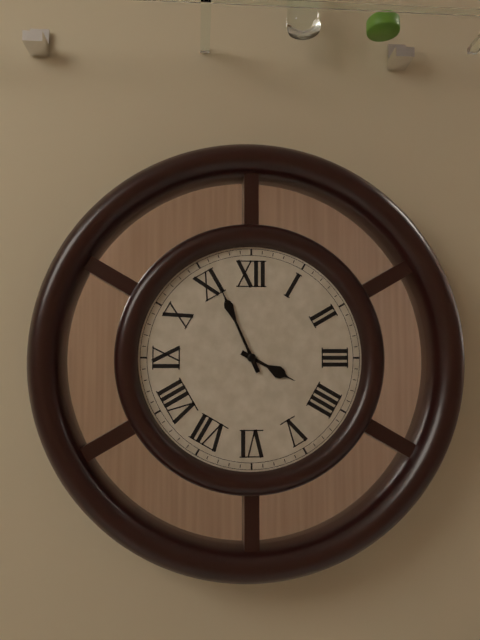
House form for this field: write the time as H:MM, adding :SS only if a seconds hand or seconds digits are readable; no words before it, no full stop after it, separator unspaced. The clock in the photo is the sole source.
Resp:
3:56
